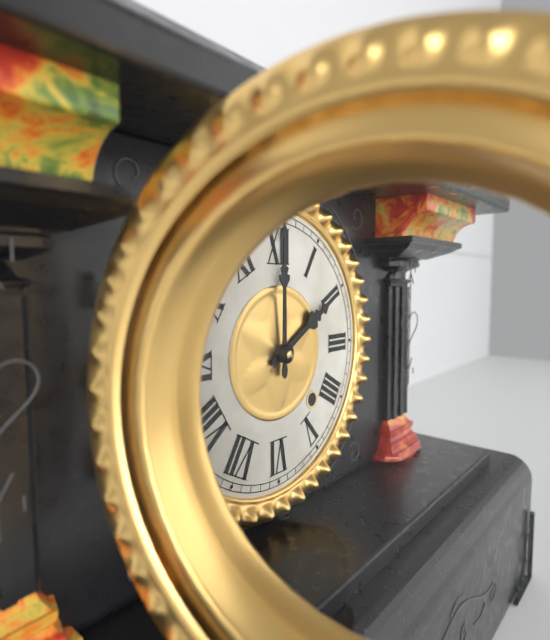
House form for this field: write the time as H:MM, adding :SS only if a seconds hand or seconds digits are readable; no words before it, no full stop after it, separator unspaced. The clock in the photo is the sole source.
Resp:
2:00
